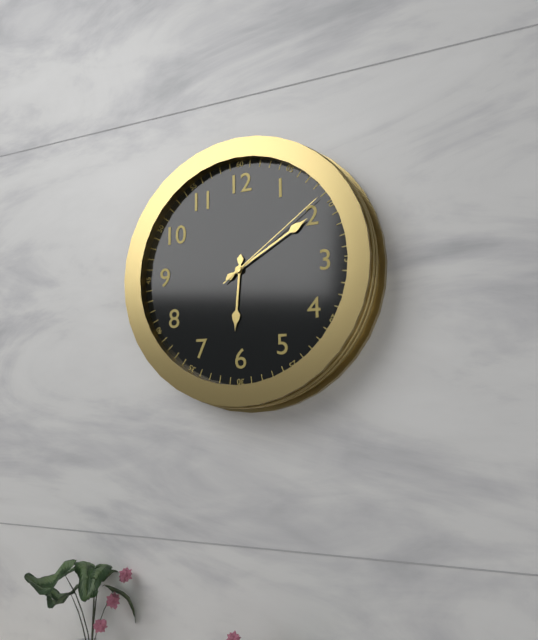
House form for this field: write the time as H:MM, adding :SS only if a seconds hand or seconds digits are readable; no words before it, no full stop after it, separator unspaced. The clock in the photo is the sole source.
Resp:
6:10:09
